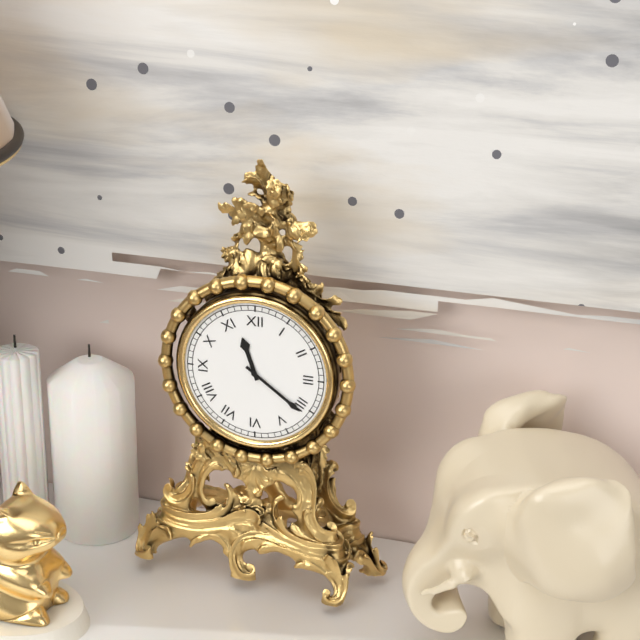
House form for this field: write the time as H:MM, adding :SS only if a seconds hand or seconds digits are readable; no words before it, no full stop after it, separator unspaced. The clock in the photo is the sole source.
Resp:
11:21
